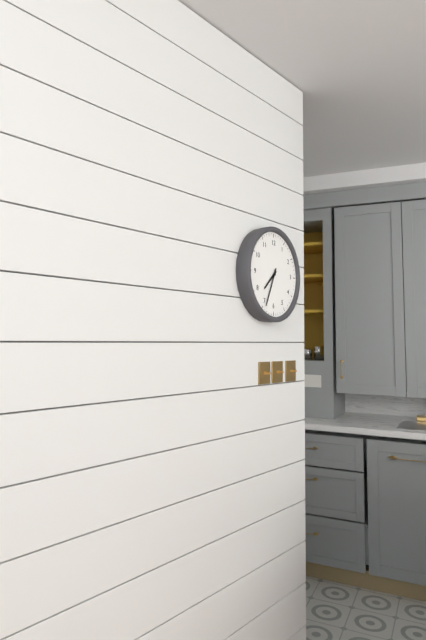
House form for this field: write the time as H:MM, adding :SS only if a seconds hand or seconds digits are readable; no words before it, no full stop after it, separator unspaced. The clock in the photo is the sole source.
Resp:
7:34
